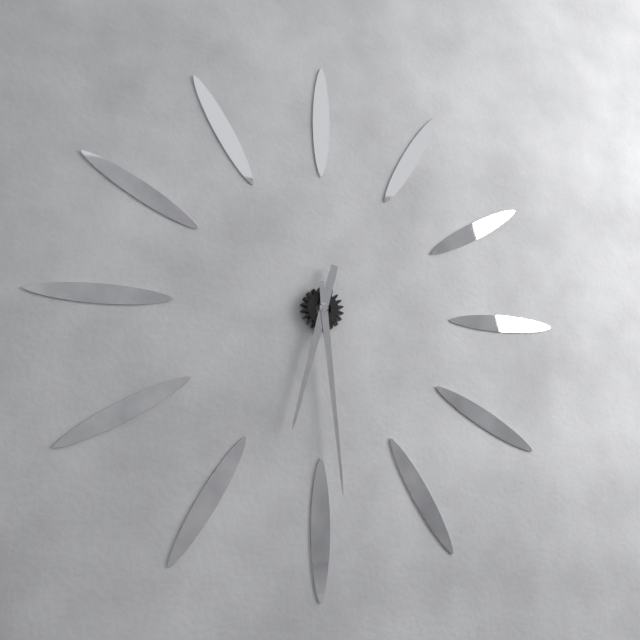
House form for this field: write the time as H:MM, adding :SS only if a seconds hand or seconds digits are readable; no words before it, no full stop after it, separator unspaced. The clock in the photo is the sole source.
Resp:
6:29
